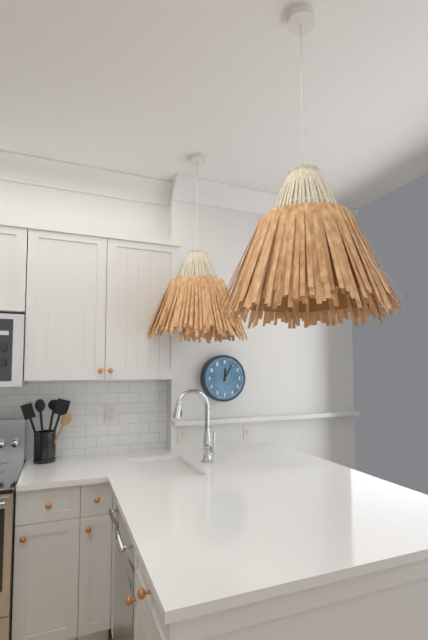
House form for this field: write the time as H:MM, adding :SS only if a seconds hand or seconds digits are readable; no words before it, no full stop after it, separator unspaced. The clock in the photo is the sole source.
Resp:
12:05
